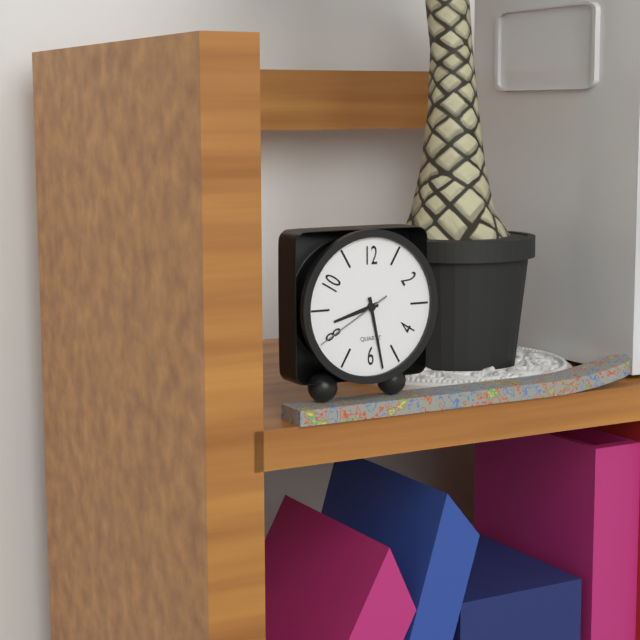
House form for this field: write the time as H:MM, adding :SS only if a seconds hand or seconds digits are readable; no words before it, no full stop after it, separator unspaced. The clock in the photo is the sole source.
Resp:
8:28:40
